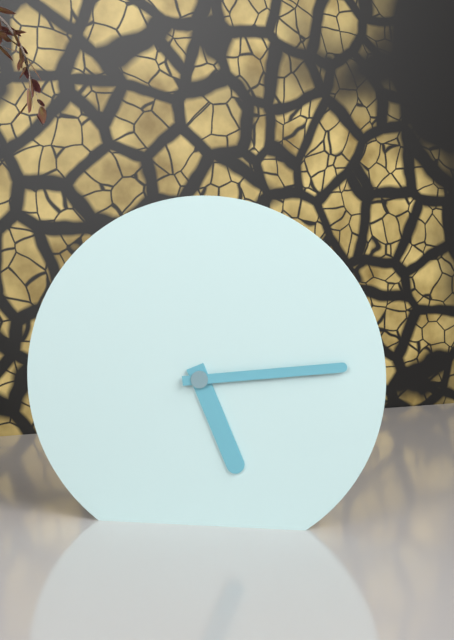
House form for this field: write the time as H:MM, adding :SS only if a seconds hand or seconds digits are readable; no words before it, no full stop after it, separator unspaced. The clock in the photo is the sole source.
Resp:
5:14
